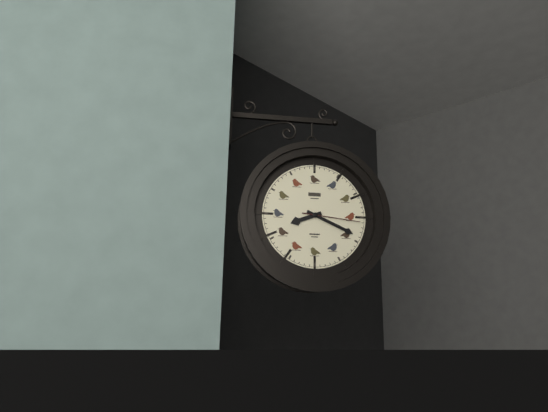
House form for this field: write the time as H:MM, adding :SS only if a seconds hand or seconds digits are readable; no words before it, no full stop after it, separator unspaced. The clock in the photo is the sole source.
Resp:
8:19:16
